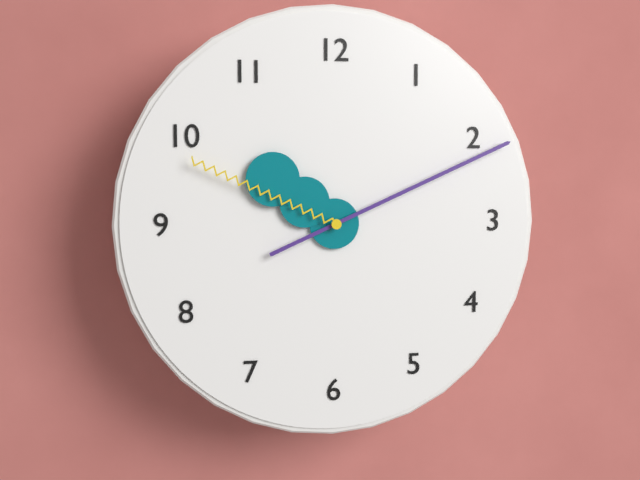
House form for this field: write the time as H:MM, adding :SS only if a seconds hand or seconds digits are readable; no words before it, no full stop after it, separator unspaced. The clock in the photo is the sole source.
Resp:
10:11:49
